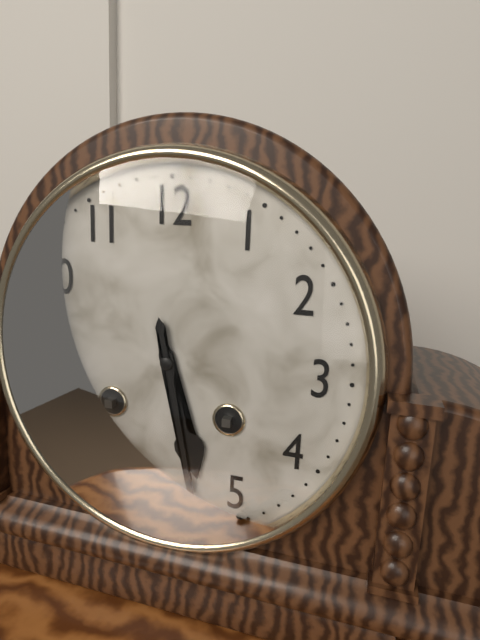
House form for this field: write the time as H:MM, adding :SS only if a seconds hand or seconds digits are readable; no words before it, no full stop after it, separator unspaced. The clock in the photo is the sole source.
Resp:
5:28
